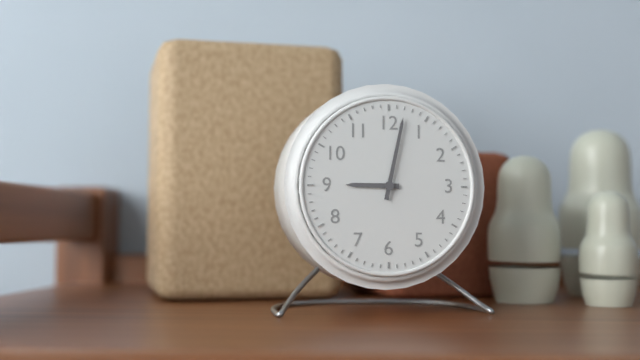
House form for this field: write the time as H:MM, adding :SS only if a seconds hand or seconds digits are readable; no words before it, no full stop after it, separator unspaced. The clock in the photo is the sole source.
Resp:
9:02
